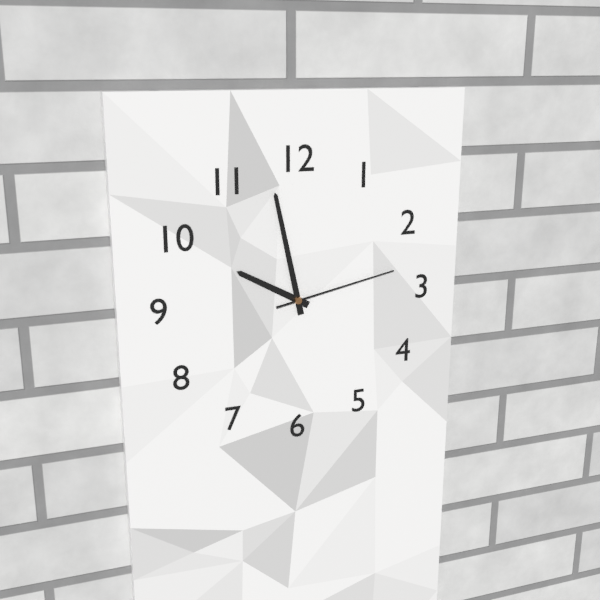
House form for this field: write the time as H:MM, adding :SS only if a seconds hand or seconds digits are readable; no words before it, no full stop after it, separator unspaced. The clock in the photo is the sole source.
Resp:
9:58:13
